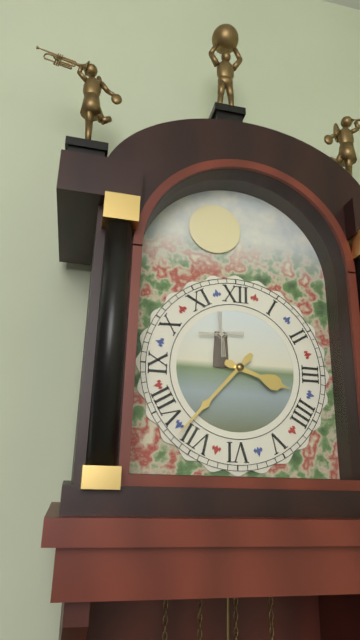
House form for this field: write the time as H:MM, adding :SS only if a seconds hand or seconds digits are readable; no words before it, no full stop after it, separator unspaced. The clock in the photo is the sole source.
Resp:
3:37
